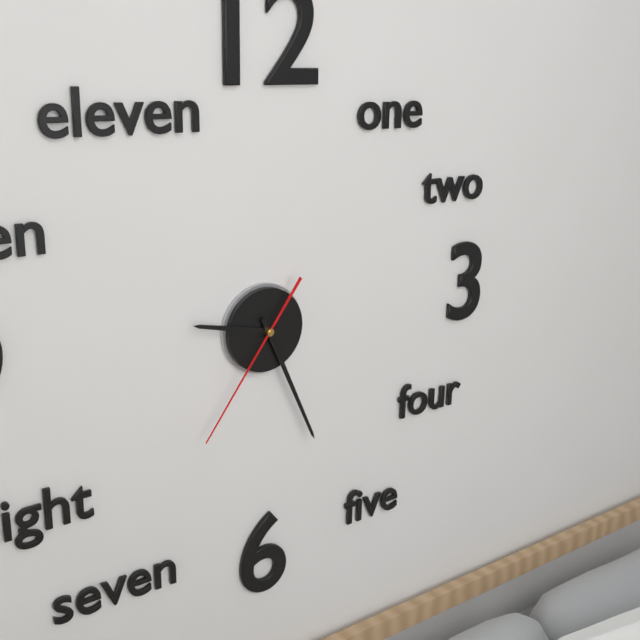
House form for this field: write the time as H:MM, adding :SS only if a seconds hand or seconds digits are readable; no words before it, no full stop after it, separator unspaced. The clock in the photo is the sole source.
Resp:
9:26:36
